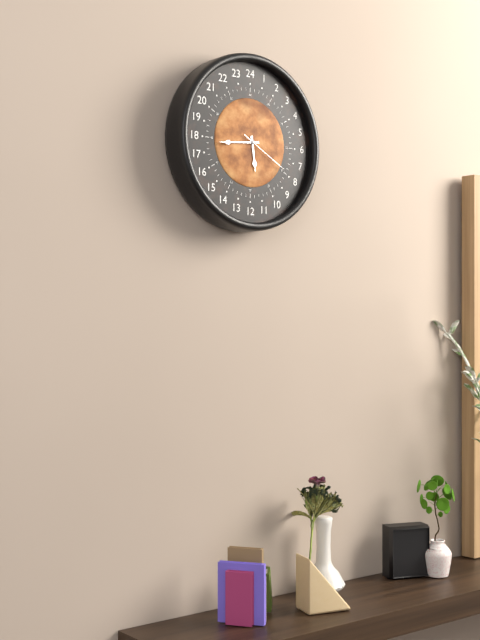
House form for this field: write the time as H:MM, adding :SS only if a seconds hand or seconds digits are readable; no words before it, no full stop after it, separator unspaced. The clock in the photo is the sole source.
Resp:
5:44:20
